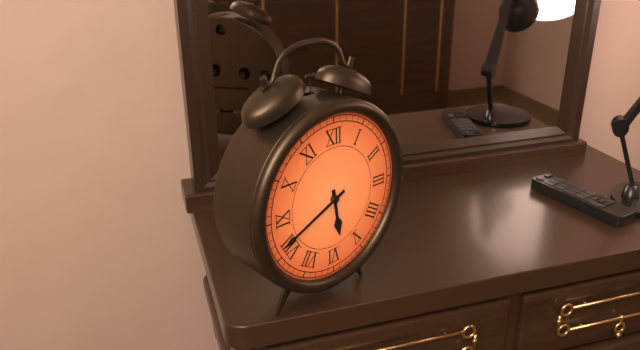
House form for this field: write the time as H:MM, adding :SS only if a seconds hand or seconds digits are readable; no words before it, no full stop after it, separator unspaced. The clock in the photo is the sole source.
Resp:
5:41
